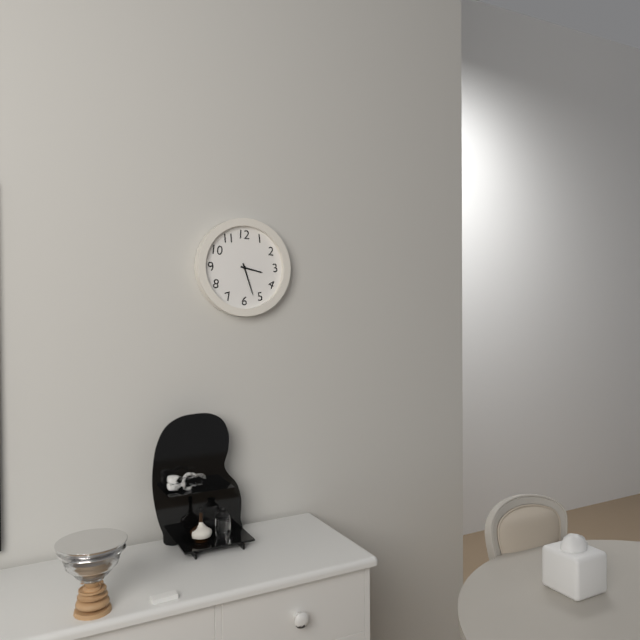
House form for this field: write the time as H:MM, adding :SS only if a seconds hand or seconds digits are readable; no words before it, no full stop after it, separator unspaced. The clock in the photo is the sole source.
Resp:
3:27
